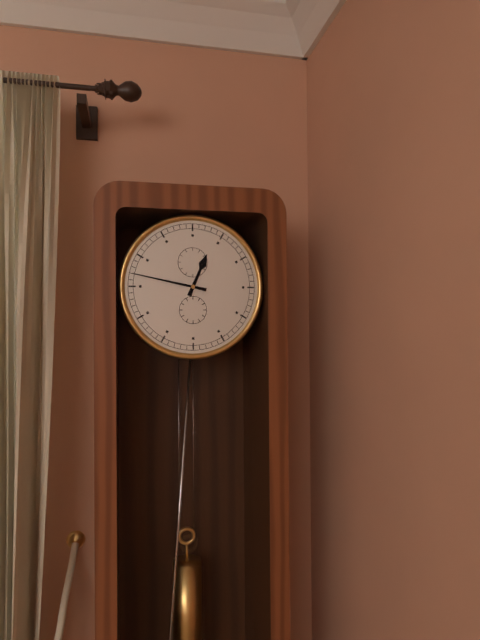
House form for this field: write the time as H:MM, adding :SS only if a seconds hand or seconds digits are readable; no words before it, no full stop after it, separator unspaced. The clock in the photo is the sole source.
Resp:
12:47
